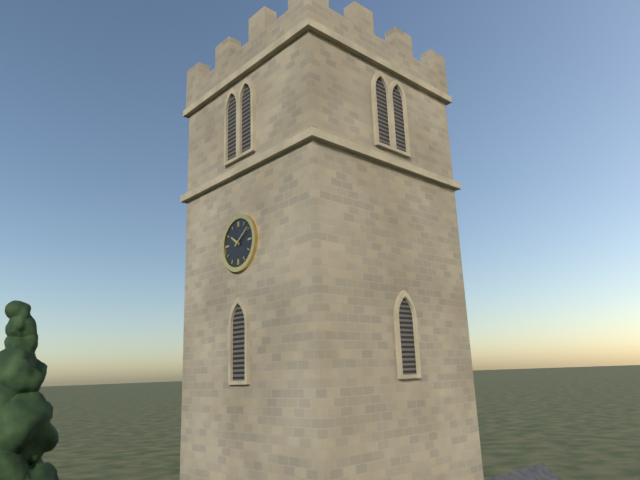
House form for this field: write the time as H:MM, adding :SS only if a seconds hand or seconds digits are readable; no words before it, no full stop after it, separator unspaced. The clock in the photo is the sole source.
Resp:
10:09
